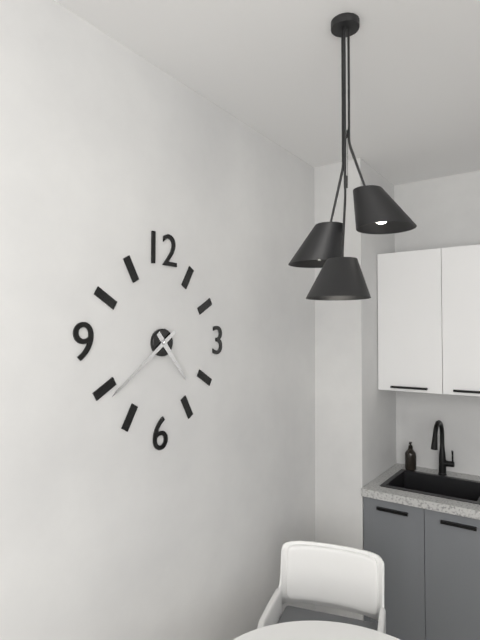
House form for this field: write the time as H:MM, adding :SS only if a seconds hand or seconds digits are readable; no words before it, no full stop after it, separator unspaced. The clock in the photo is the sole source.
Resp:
4:39
